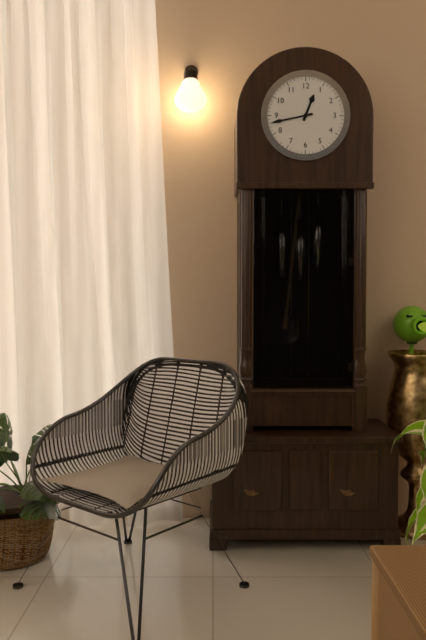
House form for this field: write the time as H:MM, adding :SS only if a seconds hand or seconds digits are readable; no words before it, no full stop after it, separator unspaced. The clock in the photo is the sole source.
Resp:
12:43
